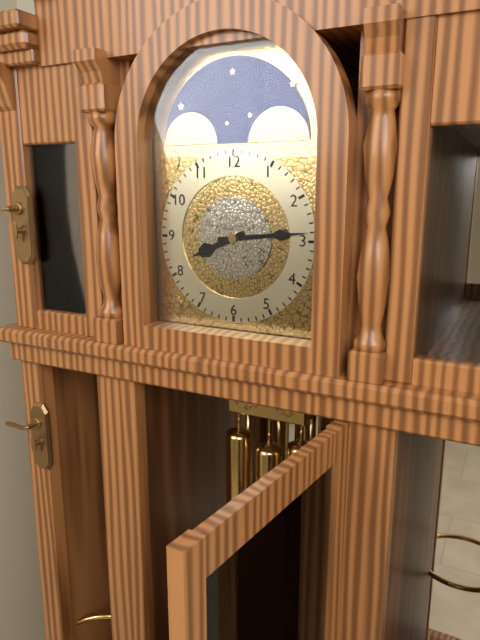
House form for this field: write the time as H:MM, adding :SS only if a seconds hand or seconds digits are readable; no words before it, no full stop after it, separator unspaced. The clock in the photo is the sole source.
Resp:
8:14
